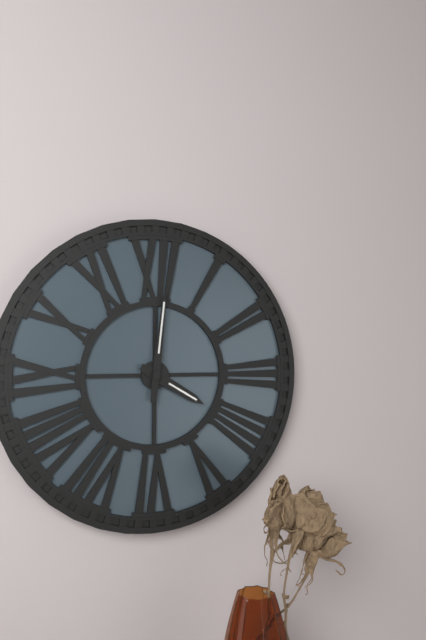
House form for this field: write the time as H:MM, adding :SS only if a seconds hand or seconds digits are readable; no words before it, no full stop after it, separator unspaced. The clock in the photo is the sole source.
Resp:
4:01
